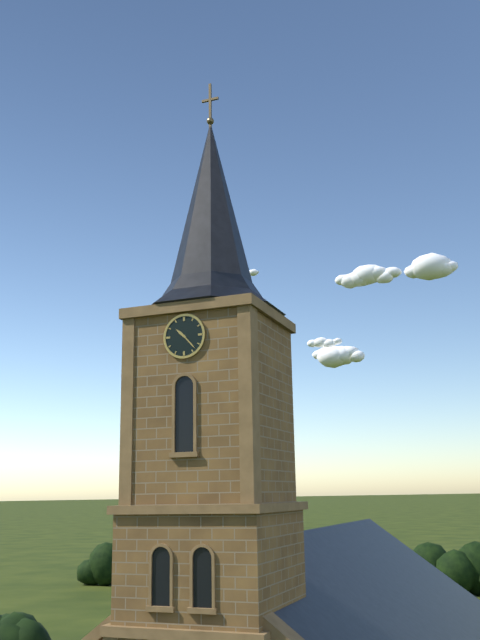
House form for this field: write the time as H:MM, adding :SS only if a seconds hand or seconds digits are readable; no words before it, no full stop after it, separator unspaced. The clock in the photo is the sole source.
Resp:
10:23
